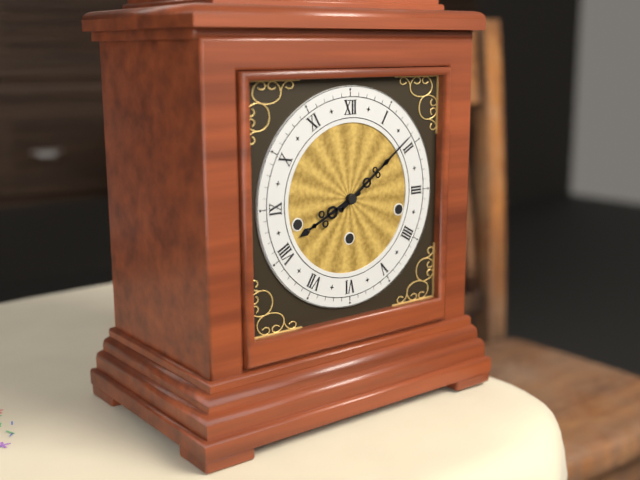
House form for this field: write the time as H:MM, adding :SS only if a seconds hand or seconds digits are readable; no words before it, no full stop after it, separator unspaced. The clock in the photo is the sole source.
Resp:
8:09
